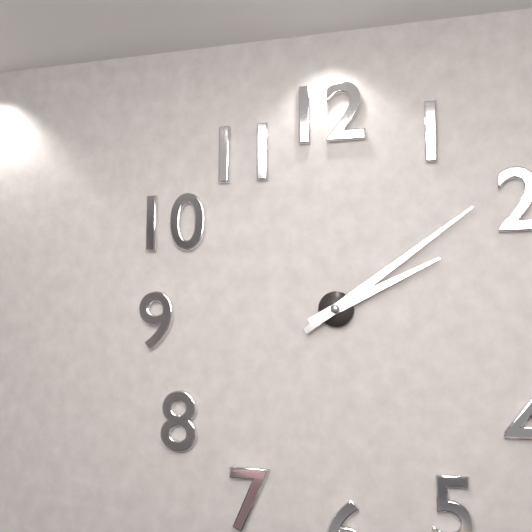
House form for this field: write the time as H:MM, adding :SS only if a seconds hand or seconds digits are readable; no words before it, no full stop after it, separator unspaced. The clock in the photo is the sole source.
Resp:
2:09
